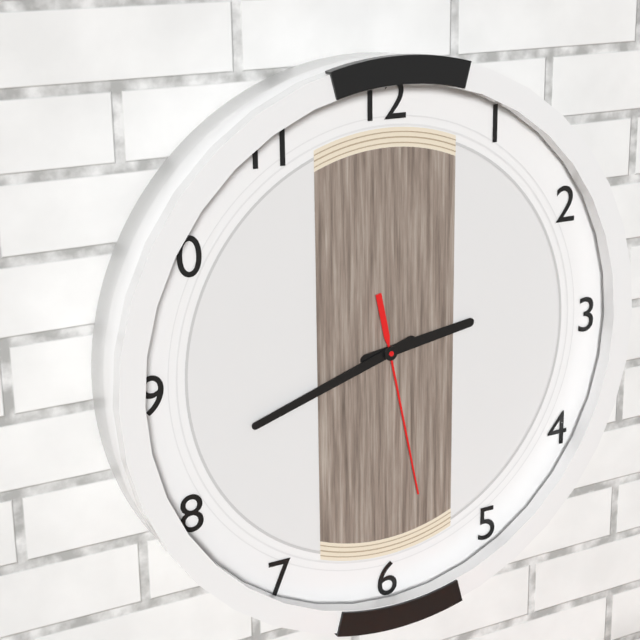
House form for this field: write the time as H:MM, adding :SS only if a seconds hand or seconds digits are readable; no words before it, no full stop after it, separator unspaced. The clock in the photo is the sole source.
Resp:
2:42:28
